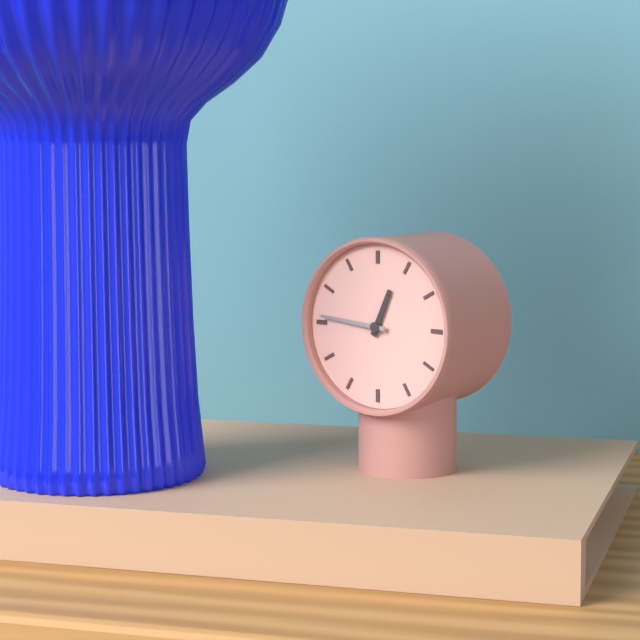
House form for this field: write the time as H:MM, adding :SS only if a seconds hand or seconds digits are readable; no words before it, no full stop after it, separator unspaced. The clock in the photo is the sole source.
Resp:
12:46
